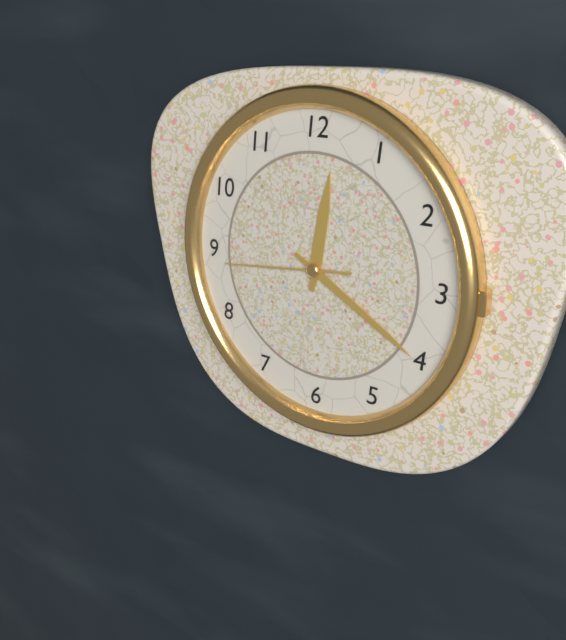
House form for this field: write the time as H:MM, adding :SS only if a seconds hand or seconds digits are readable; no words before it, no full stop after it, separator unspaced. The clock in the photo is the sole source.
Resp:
12:20:44
